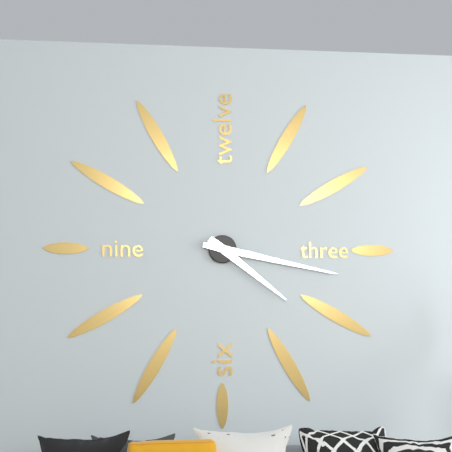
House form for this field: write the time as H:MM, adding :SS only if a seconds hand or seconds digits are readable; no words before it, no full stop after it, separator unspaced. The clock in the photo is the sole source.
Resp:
4:17
